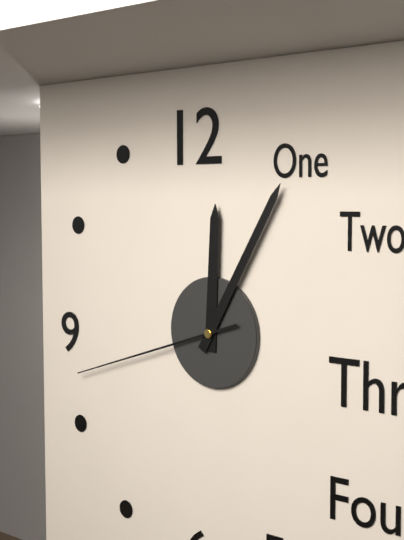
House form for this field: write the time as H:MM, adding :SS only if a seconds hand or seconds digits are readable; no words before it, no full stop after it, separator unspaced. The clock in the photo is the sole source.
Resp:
12:05:42
